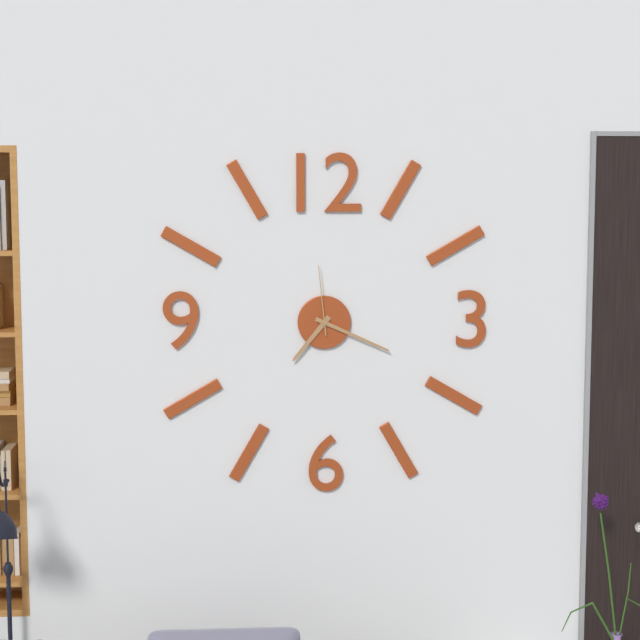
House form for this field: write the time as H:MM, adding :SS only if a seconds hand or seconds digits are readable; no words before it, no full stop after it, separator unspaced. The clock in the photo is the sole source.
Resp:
7:19:59
